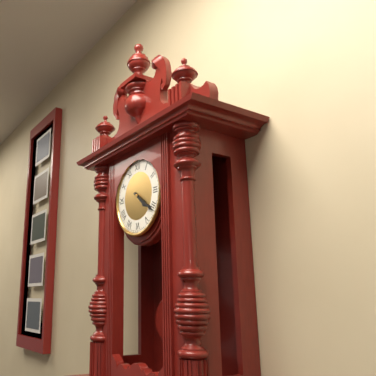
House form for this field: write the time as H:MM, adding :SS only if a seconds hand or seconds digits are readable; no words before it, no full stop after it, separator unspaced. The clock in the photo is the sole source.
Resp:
4:21
